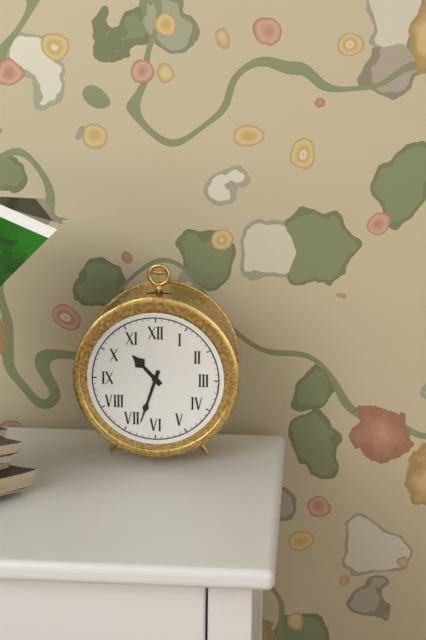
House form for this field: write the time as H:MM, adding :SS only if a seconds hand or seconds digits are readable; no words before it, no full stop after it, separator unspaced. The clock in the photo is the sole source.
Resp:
10:33
